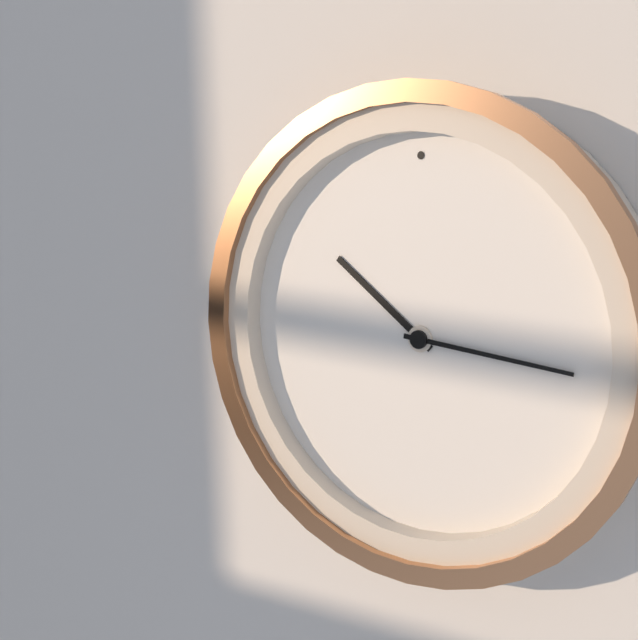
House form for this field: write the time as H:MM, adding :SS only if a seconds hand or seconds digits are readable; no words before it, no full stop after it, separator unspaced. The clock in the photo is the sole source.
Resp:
10:16
